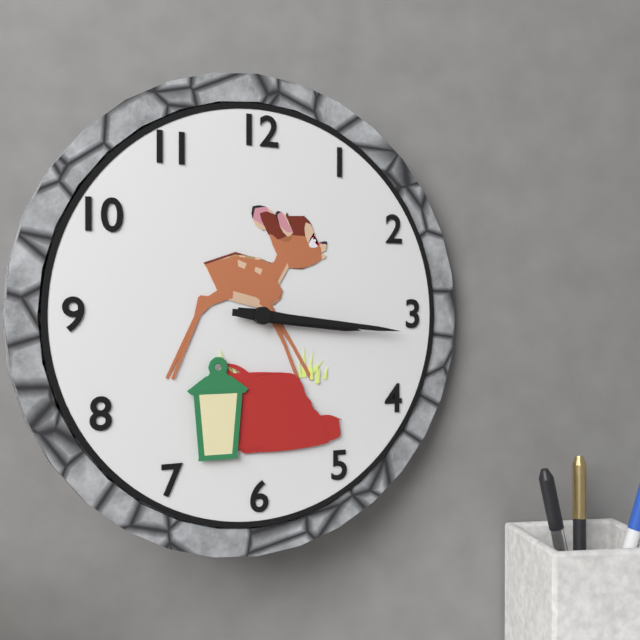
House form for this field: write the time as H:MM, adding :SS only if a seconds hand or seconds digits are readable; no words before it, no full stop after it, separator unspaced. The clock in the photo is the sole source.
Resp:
3:16
